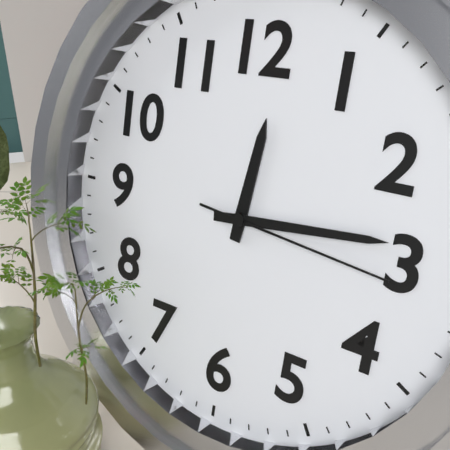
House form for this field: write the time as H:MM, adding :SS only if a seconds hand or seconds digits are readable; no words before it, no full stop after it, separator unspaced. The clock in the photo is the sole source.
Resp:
12:14:16
